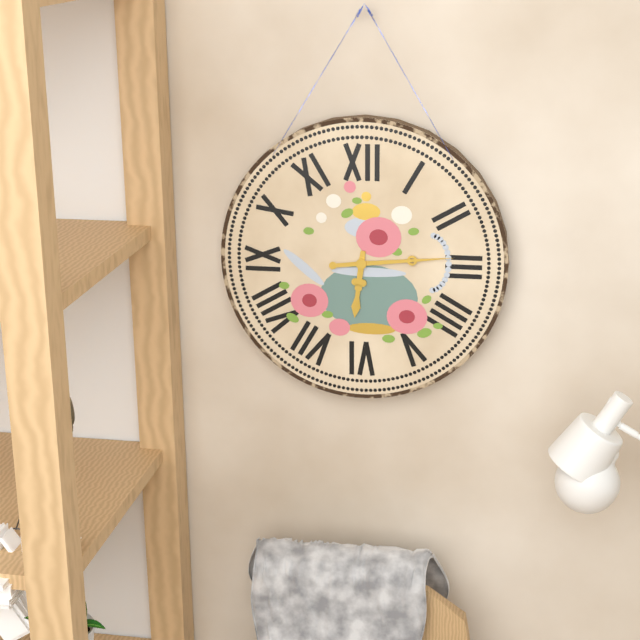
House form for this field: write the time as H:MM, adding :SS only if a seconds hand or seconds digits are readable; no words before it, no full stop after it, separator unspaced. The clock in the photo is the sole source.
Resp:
6:14
